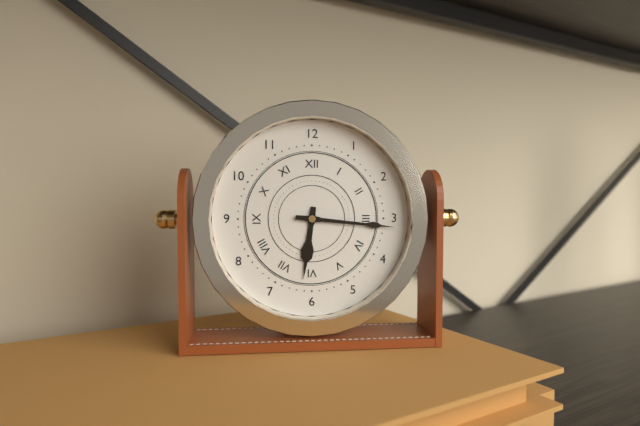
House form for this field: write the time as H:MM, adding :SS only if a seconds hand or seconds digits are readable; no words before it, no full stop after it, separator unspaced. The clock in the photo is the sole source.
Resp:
6:16
